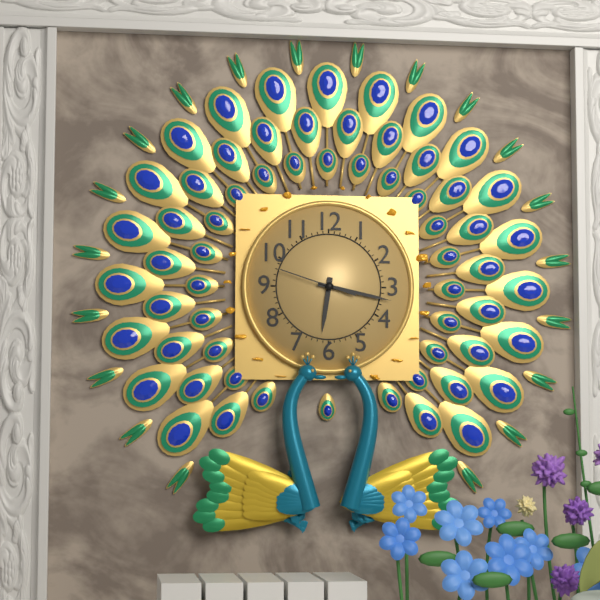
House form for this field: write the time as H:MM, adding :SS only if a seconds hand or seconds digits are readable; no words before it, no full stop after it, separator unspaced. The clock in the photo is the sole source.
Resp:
6:17:48
